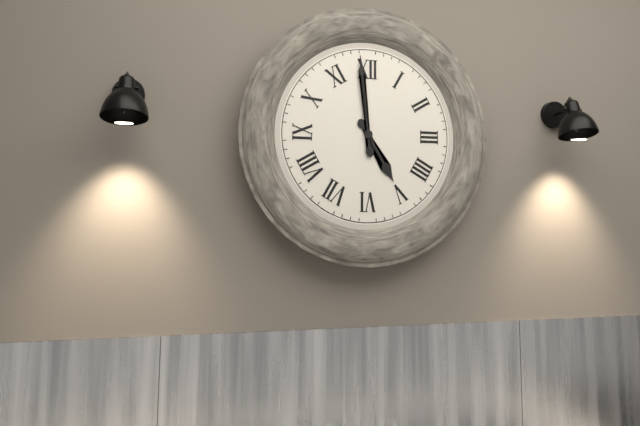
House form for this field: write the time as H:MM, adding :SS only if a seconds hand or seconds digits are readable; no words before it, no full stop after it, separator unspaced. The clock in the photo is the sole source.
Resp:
4:59
